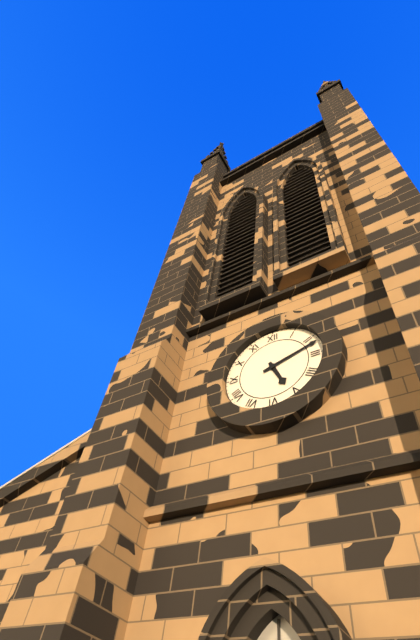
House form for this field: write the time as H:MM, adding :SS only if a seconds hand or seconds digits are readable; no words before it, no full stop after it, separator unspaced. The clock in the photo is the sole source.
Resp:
5:12
